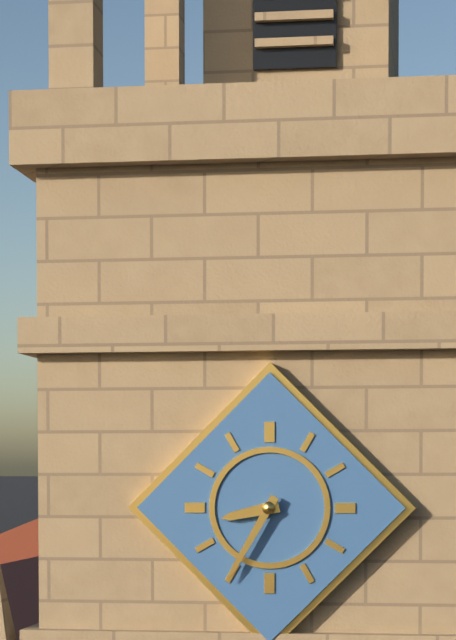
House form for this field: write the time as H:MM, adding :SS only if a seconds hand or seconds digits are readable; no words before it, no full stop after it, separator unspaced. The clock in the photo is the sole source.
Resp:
8:35
